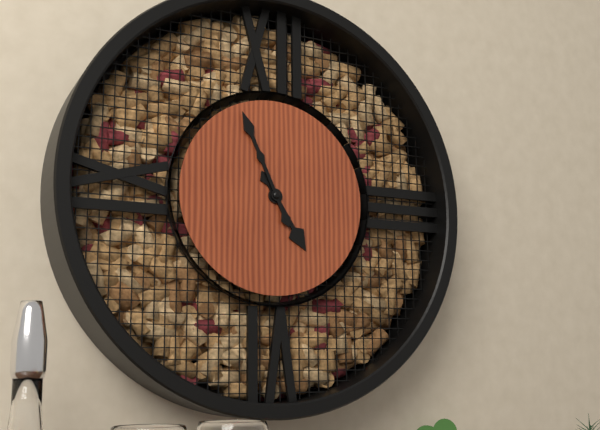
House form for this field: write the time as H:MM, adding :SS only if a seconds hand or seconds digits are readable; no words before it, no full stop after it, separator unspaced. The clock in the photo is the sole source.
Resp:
4:56
